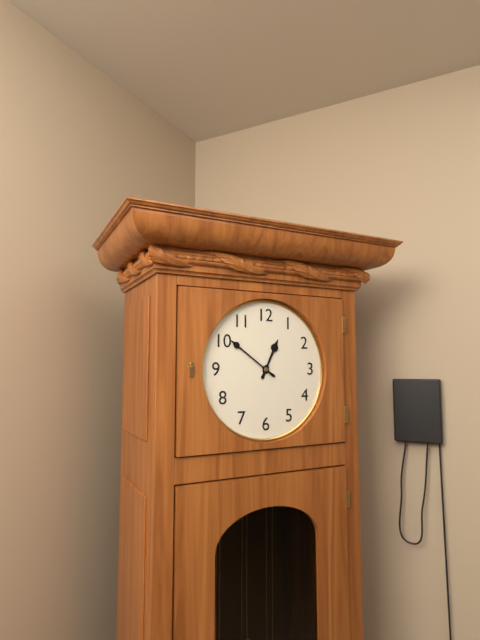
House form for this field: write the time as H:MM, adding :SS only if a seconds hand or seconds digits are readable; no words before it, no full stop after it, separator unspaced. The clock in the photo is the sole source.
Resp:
12:51
